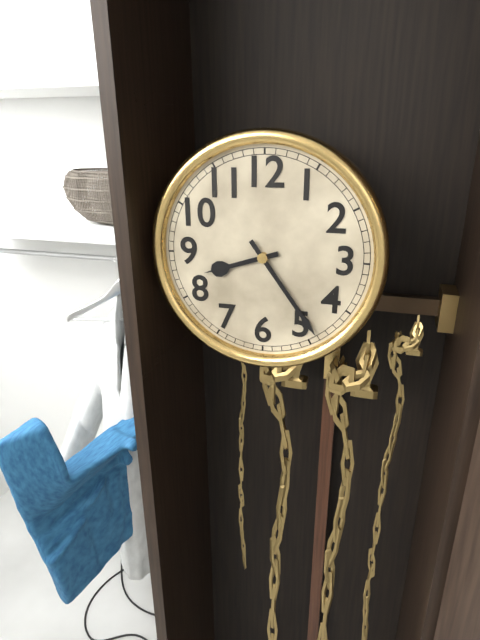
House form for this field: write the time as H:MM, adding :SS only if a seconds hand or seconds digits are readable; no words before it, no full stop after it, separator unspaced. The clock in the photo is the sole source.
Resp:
8:24
